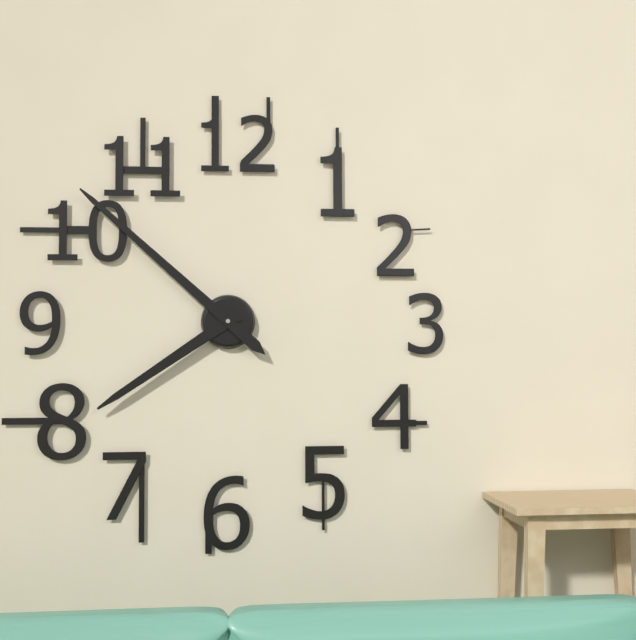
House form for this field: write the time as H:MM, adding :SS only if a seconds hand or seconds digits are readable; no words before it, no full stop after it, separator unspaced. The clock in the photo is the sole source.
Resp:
7:52
